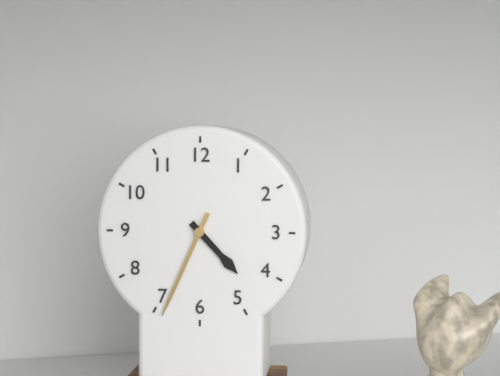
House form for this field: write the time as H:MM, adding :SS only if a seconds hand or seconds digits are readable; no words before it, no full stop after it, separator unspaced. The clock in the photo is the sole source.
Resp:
4:34
